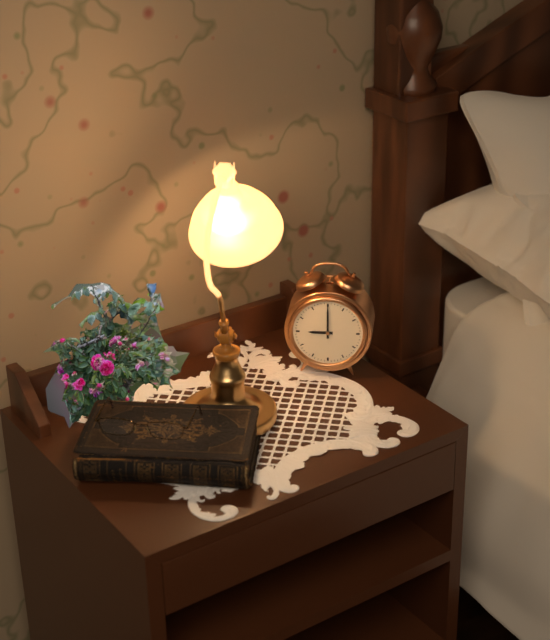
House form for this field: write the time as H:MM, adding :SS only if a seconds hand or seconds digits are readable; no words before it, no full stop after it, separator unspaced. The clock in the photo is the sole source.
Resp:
9:00
